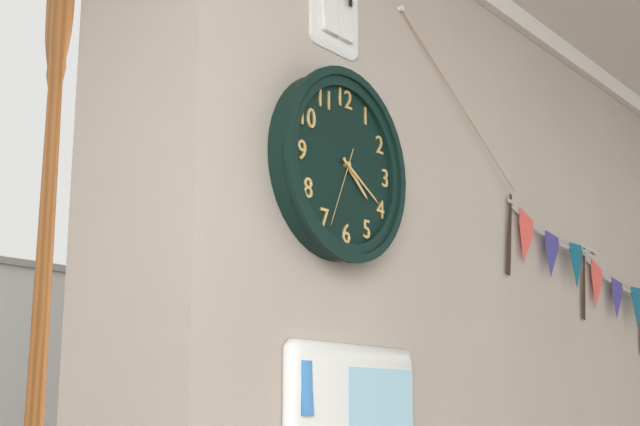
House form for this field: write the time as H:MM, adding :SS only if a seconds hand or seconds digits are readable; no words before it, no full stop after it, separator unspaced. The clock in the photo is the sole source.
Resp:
4:20:34
